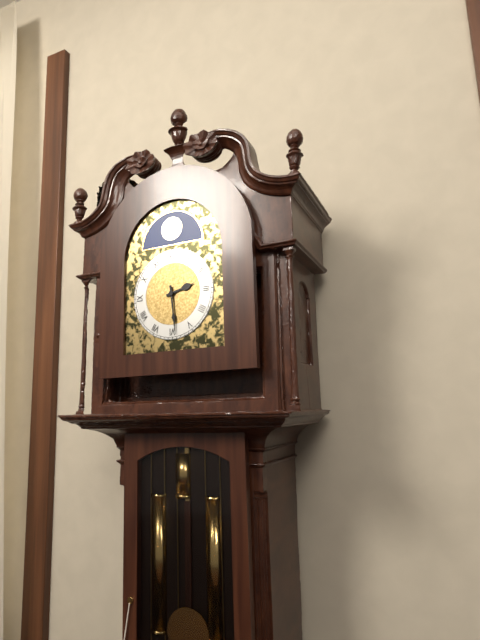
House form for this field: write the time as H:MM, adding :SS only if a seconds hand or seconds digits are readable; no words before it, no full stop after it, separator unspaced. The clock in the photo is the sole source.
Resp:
2:29
